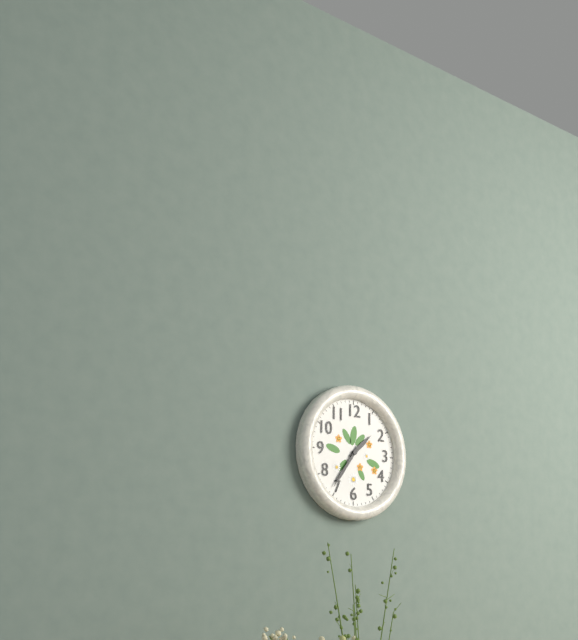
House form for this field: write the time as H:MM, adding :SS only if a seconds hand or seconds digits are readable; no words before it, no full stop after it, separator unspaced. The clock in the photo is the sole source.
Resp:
1:36
